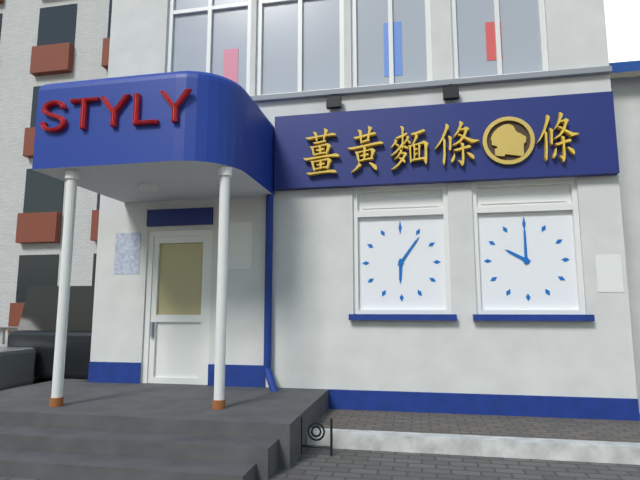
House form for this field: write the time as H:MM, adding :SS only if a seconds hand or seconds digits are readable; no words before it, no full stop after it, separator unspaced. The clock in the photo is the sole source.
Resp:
6:06
